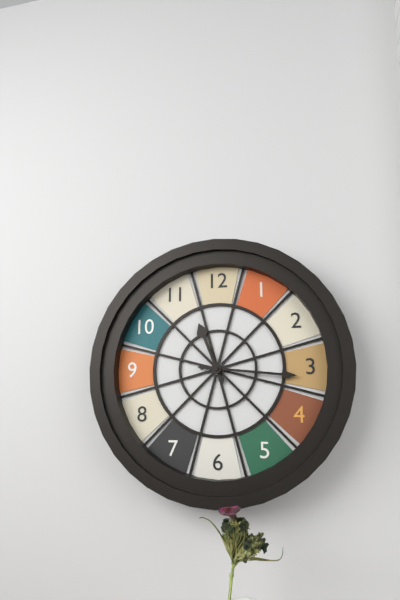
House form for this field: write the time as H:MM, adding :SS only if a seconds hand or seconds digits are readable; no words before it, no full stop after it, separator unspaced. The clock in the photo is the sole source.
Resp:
11:16
